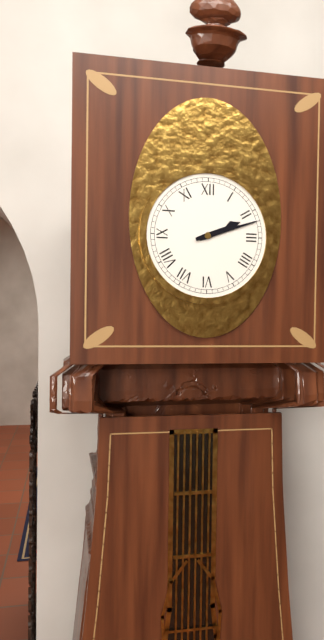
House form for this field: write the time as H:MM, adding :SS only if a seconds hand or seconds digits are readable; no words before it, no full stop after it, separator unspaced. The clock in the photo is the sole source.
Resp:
2:12
